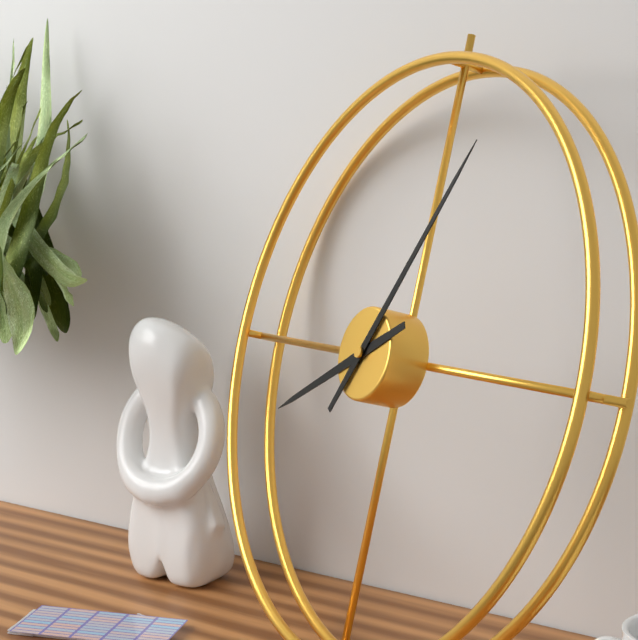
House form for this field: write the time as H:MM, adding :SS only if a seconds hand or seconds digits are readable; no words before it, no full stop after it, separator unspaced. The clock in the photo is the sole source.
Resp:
8:05
